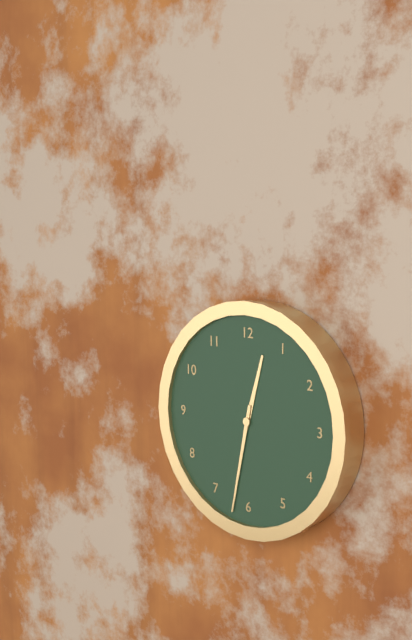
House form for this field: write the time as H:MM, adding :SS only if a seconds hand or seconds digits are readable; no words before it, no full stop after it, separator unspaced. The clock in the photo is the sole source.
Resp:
12:32
